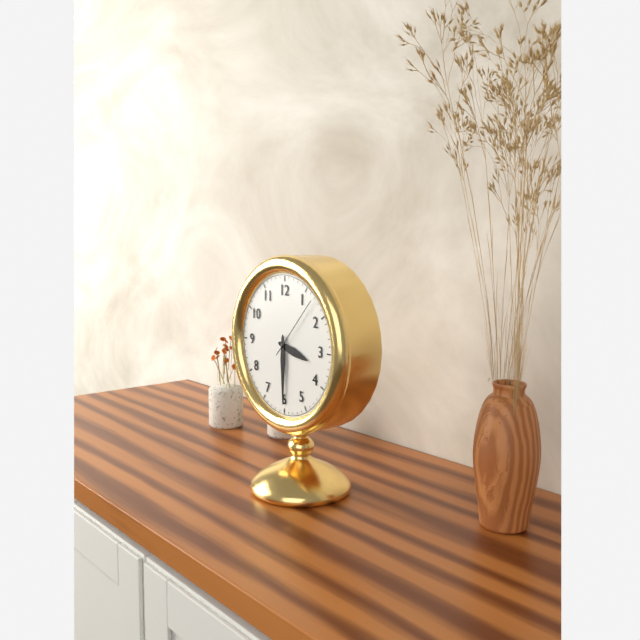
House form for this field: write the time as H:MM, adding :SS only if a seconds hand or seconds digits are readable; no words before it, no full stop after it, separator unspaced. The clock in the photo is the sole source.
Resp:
3:30:07
